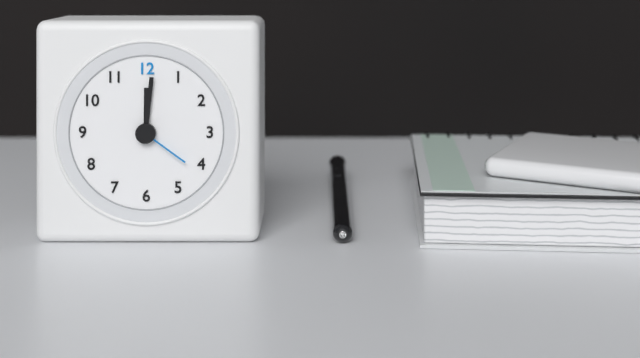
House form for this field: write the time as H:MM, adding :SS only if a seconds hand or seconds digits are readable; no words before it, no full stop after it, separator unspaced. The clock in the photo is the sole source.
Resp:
12:01:21
